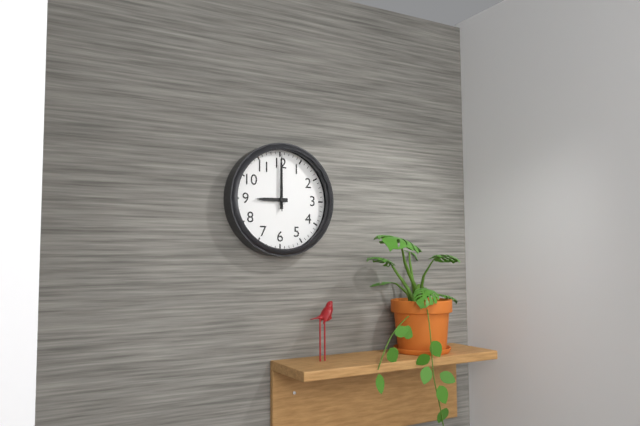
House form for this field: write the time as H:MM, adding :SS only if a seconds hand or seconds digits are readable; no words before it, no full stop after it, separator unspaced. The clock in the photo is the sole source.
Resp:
9:00:00
